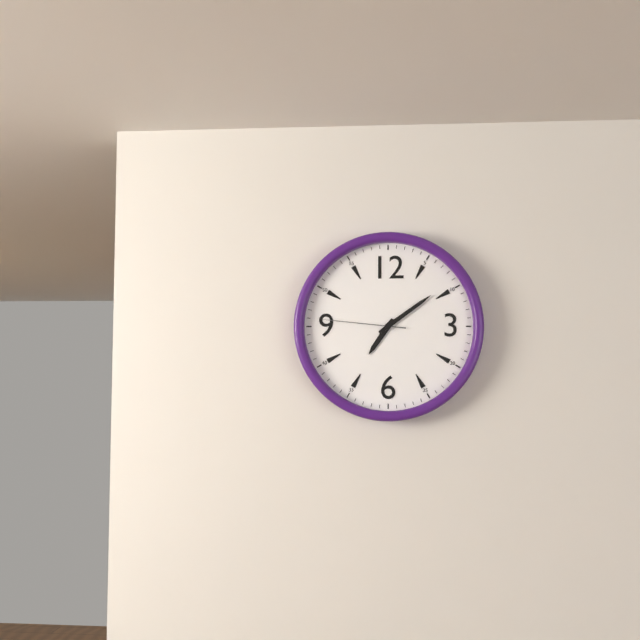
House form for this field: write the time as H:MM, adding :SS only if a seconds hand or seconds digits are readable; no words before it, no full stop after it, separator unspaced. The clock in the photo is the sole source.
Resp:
7:09:46
